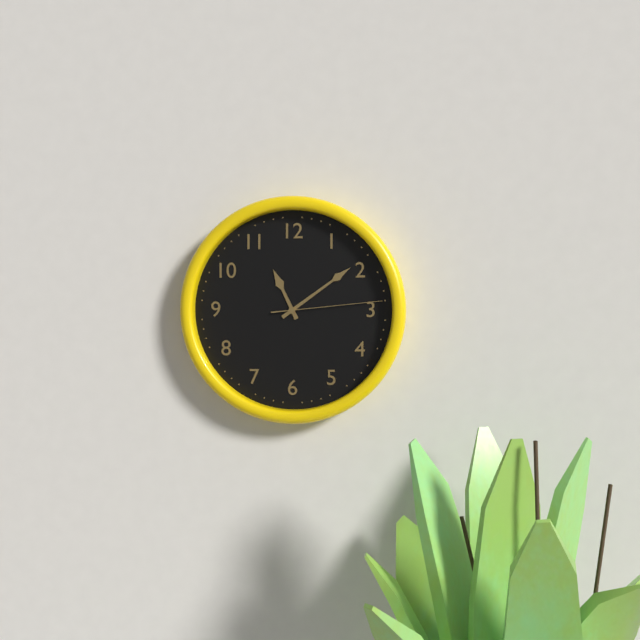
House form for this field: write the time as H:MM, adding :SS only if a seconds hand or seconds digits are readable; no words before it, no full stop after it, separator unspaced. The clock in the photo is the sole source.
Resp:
11:09:14
